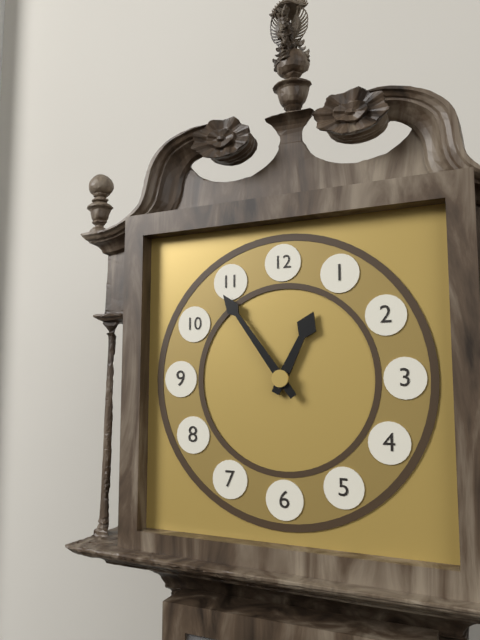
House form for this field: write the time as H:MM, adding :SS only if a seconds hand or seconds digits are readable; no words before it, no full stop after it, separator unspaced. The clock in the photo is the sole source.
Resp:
12:54
